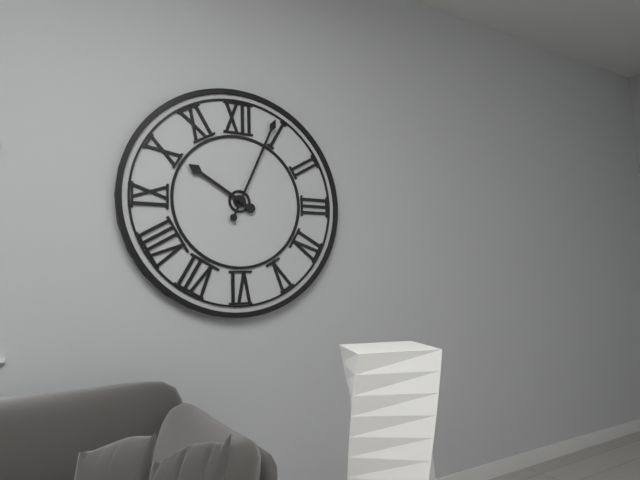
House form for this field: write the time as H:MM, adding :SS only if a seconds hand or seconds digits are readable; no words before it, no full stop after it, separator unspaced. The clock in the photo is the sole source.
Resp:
10:04
